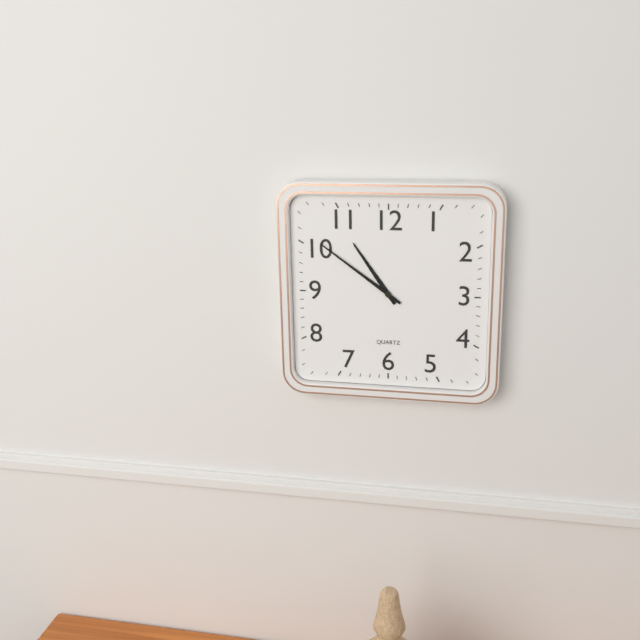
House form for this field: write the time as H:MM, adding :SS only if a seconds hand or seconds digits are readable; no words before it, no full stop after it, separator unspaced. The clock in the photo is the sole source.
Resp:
10:51
